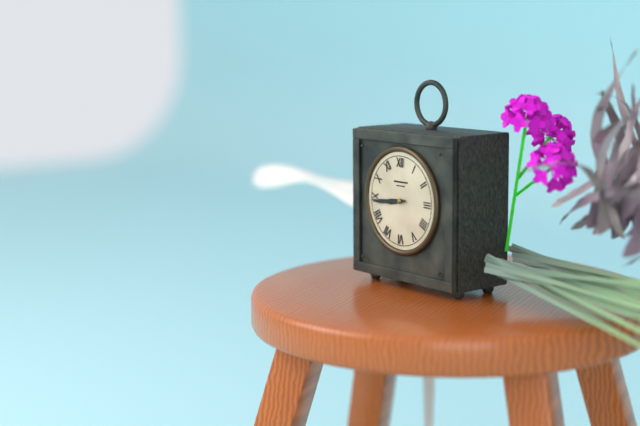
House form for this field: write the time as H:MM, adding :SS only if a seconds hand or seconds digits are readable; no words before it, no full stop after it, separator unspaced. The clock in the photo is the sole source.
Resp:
8:44
